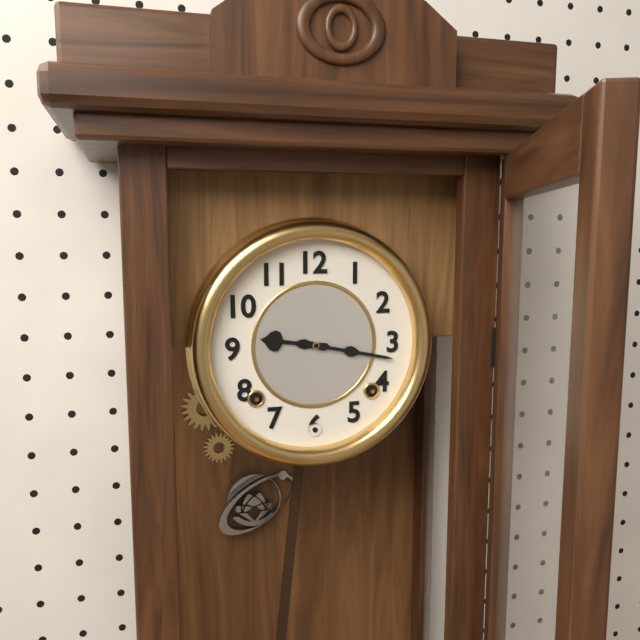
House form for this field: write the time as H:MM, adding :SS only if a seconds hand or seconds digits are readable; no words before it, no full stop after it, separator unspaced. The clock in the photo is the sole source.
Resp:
9:17
